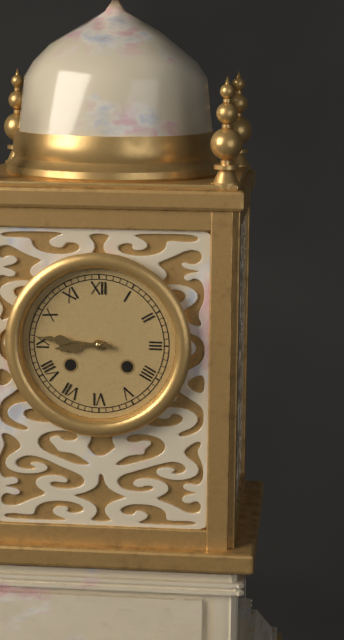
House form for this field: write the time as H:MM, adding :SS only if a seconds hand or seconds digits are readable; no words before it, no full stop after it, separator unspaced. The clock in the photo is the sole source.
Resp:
8:46
